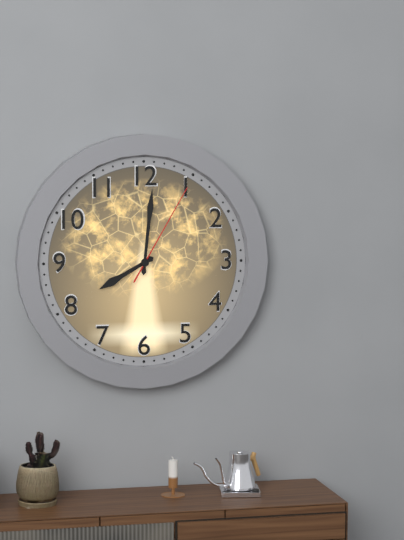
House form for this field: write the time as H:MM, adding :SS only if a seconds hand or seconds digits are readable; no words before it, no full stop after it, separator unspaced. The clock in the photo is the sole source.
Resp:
8:01:05
